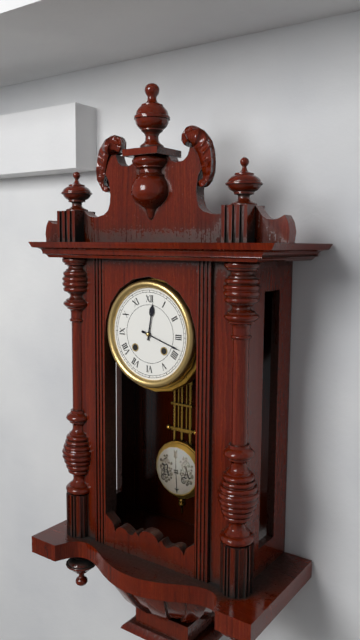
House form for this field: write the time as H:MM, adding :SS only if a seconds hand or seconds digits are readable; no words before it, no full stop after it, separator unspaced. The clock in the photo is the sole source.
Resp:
12:18
